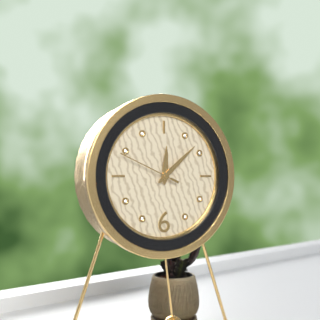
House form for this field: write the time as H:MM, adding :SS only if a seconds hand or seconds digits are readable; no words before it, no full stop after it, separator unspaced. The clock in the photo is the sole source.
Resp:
12:08:49
